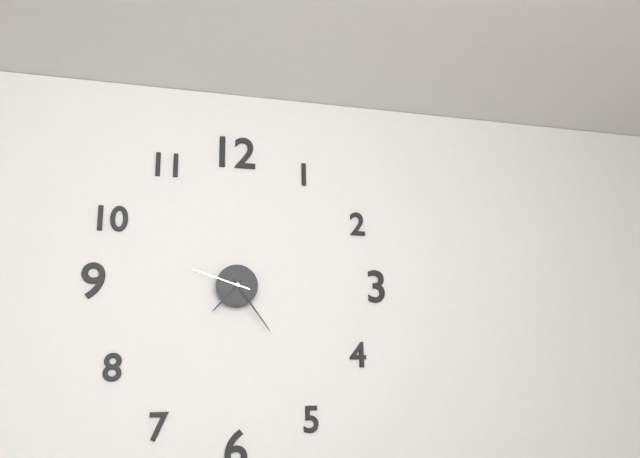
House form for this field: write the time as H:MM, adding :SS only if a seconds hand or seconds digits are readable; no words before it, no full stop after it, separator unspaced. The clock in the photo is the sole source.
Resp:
7:24:48
